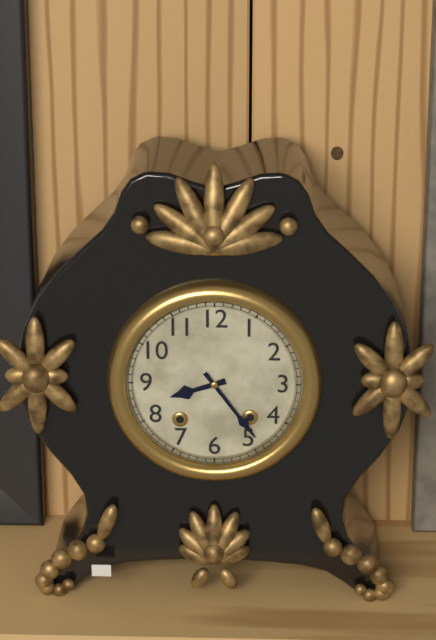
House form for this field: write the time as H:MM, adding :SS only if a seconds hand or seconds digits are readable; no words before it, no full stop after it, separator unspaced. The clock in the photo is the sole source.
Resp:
8:24
